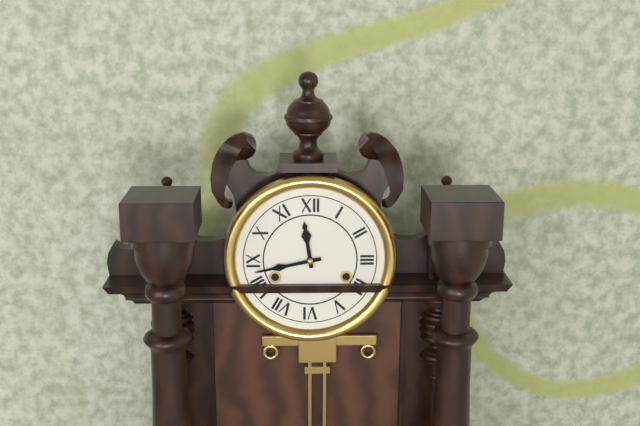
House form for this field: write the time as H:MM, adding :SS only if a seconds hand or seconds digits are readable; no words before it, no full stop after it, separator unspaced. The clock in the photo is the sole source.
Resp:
11:43
